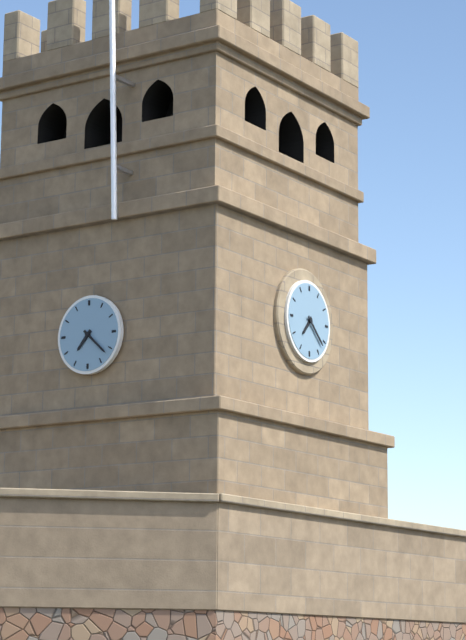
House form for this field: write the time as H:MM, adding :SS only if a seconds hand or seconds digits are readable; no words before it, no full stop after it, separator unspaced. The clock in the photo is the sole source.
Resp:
7:22
